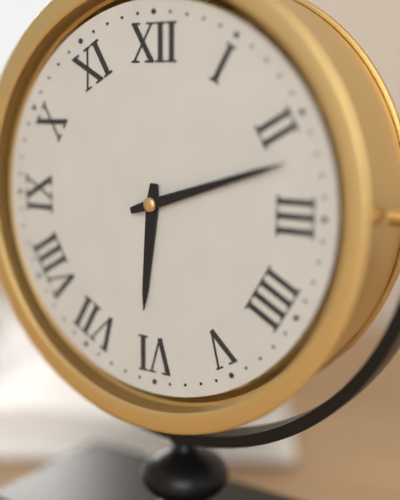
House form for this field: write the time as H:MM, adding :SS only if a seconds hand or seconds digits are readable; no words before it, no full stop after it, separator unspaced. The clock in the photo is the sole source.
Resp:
6:12
